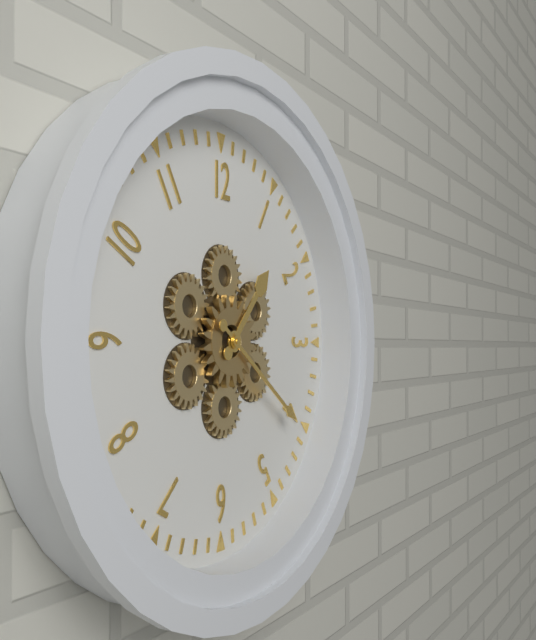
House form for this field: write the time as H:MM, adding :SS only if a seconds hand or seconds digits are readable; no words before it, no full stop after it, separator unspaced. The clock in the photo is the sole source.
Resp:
1:21
